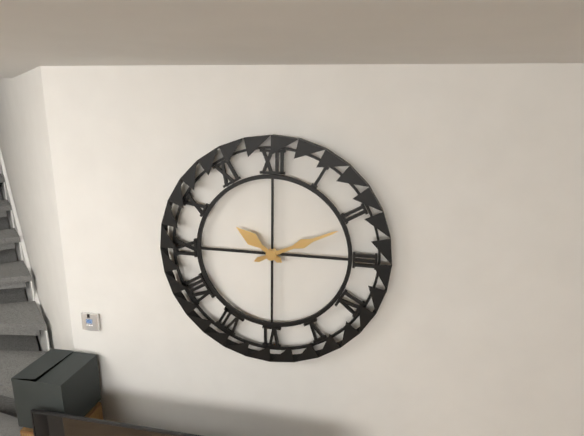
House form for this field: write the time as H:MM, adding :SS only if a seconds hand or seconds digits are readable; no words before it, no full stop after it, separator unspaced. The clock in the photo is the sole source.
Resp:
10:11
